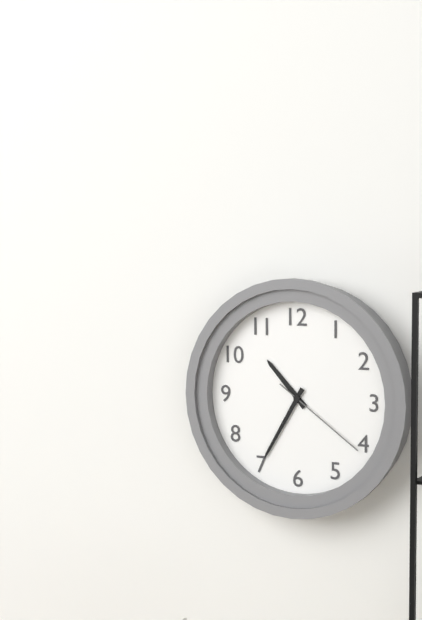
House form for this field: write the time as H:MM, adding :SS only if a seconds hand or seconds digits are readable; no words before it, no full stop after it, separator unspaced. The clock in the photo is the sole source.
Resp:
10:35:21
